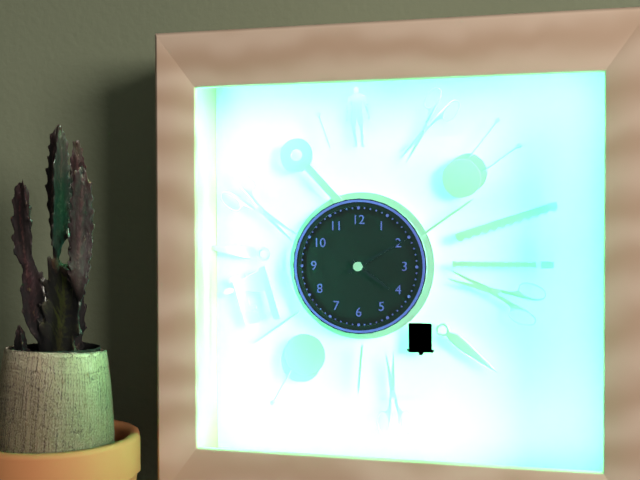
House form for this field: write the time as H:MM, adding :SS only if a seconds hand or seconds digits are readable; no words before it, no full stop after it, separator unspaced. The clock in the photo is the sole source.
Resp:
4:10
